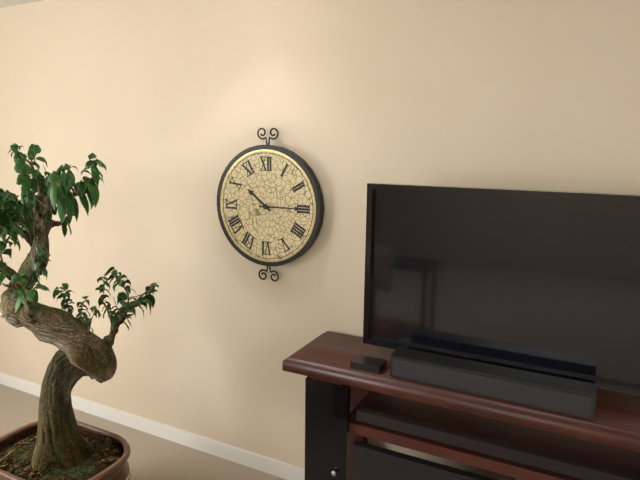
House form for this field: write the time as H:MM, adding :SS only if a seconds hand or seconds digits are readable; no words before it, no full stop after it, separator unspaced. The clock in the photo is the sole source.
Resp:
10:15
